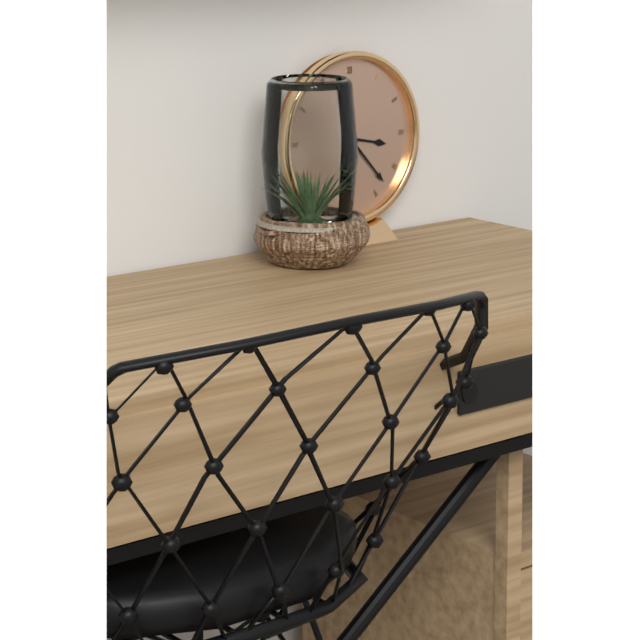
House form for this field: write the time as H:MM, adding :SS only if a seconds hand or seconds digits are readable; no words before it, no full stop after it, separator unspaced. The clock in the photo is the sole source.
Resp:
3:23
